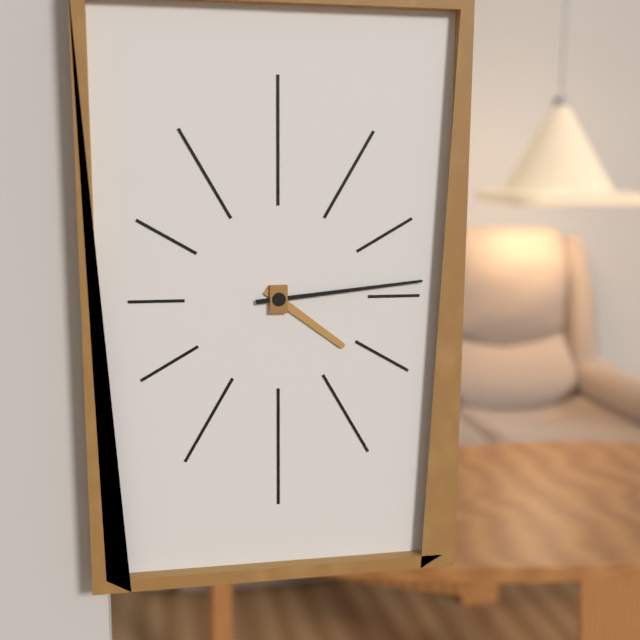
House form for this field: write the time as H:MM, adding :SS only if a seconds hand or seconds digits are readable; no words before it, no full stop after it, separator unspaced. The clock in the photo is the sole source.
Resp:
4:14
